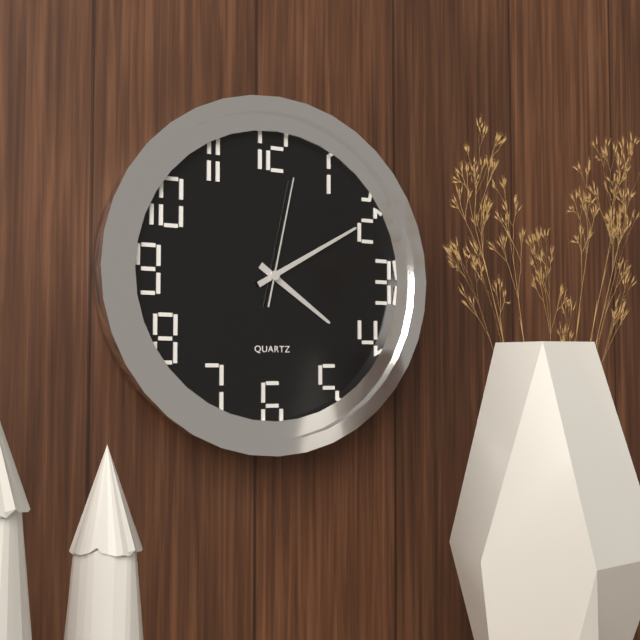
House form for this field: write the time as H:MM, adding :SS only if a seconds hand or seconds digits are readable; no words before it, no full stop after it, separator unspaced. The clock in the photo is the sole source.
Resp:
4:10:02
